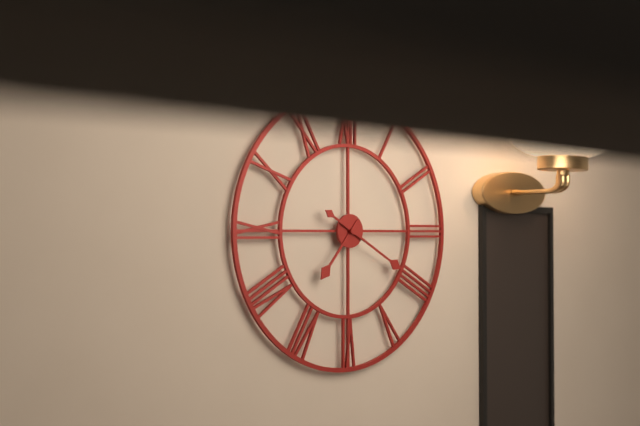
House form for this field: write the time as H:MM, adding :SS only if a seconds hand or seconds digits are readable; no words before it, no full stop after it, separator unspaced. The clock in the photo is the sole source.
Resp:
7:20
